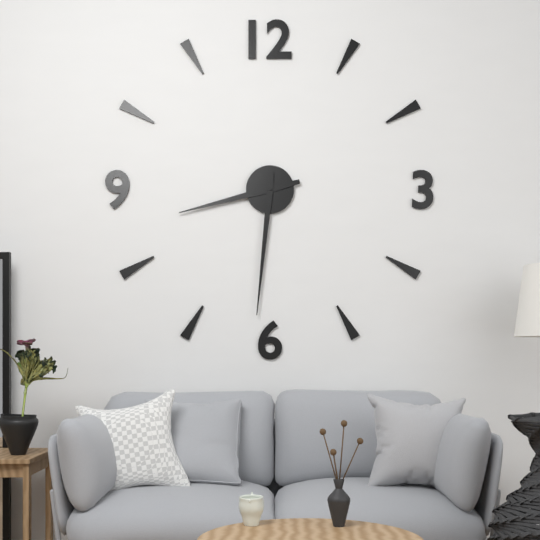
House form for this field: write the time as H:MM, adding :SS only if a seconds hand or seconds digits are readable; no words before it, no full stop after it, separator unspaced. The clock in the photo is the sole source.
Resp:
8:31
